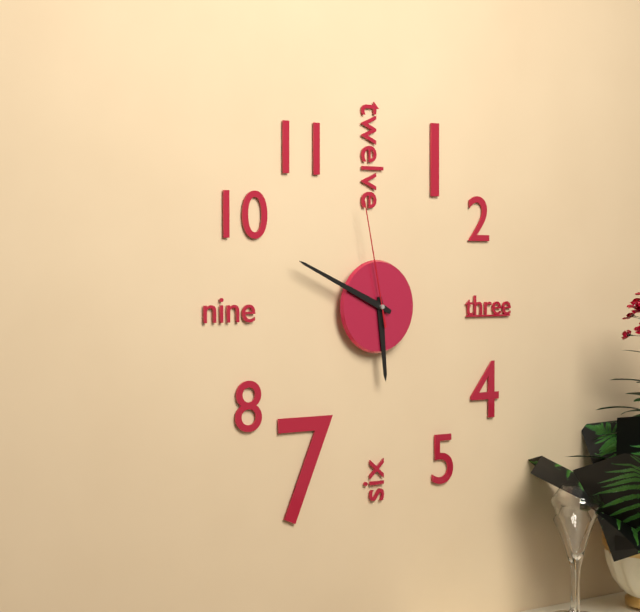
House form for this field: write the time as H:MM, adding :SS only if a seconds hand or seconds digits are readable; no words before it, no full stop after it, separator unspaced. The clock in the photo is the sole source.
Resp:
5:49:58
